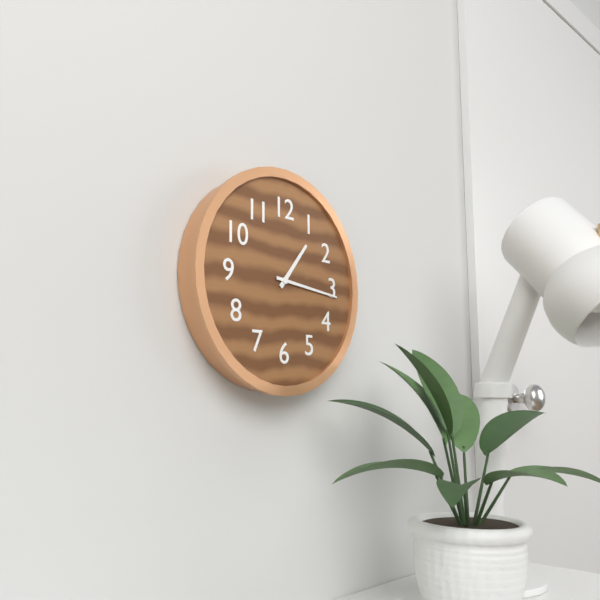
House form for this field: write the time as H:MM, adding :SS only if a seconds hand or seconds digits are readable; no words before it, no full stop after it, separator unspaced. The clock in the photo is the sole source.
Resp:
1:16
